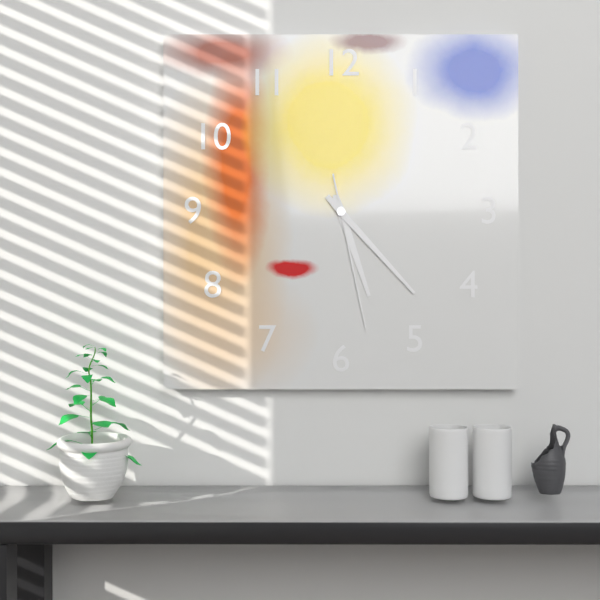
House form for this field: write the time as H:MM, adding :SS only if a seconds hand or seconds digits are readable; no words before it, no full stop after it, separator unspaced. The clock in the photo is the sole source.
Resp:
5:23:28
